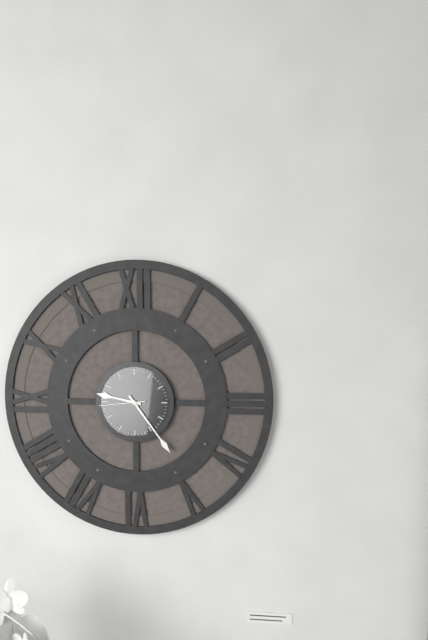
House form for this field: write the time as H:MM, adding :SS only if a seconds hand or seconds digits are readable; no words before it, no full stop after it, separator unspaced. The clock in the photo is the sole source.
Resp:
9:24
